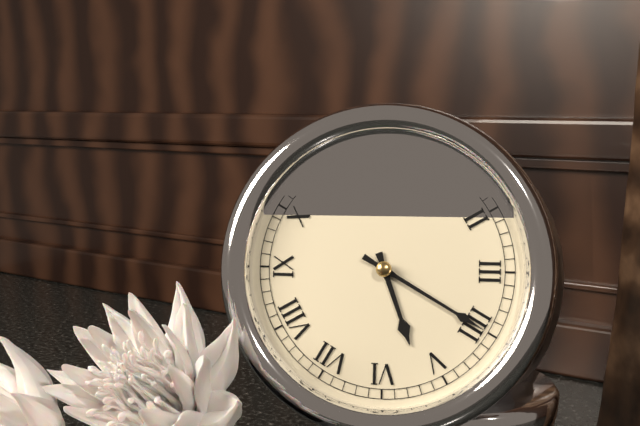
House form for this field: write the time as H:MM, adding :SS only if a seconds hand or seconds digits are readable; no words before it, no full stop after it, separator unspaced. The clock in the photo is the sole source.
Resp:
5:20
